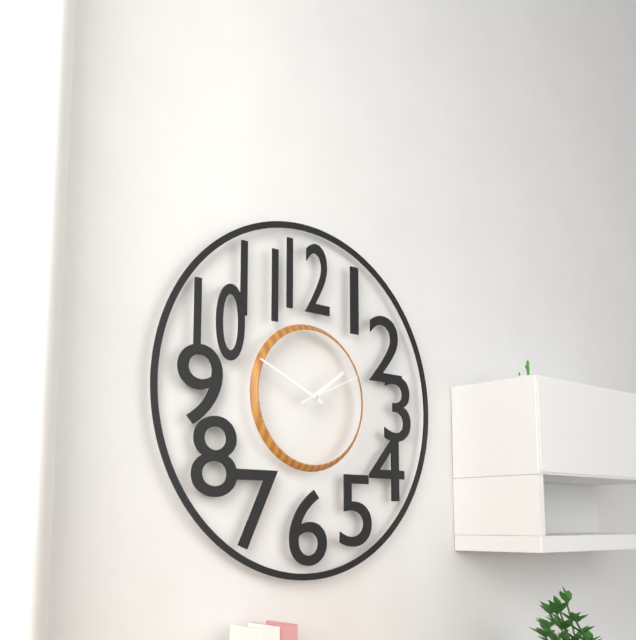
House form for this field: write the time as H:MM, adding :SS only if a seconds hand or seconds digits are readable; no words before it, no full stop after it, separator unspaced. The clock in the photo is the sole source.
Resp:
1:49:11
